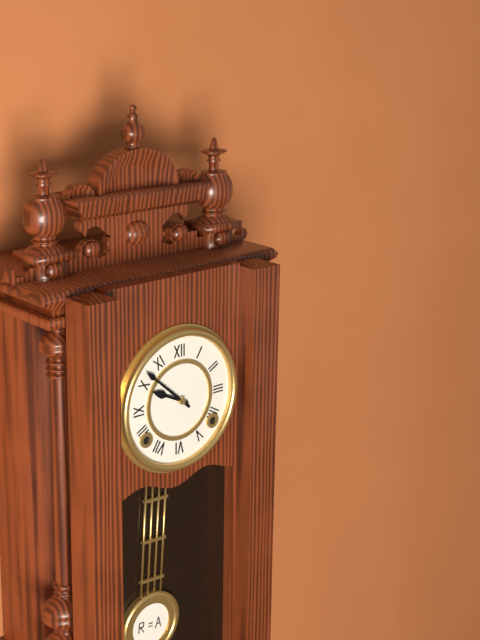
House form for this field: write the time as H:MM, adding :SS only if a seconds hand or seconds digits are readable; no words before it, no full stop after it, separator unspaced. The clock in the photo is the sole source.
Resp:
9:52
